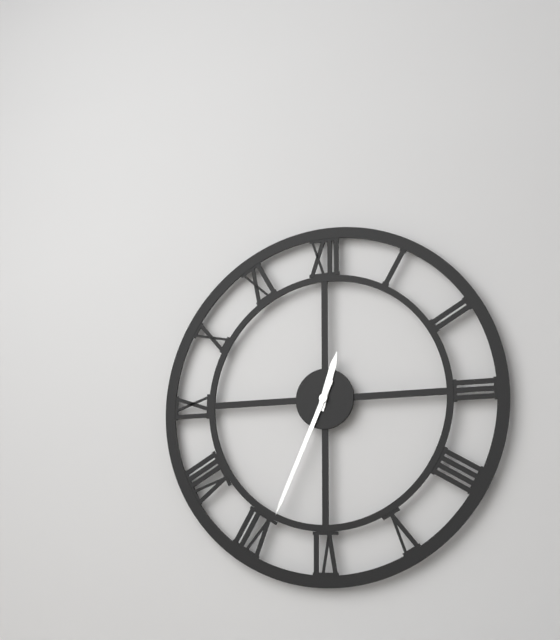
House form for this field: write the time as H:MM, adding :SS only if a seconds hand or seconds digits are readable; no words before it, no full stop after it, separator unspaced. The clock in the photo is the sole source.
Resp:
12:34
